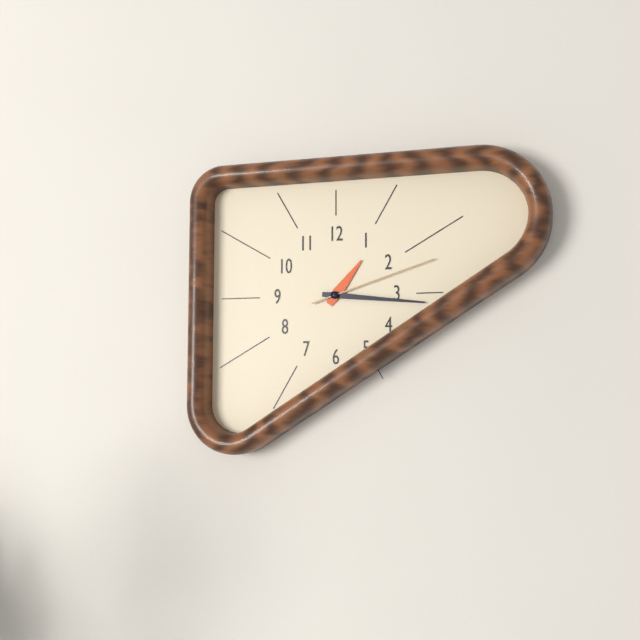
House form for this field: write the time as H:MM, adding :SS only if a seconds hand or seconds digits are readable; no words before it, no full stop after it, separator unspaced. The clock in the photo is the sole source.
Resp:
1:16:12
